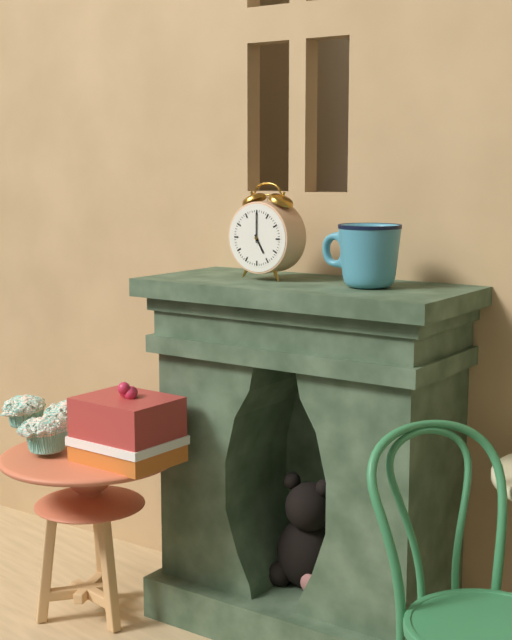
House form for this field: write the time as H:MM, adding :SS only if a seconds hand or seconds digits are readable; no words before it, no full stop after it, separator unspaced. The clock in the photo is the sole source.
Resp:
5:00
